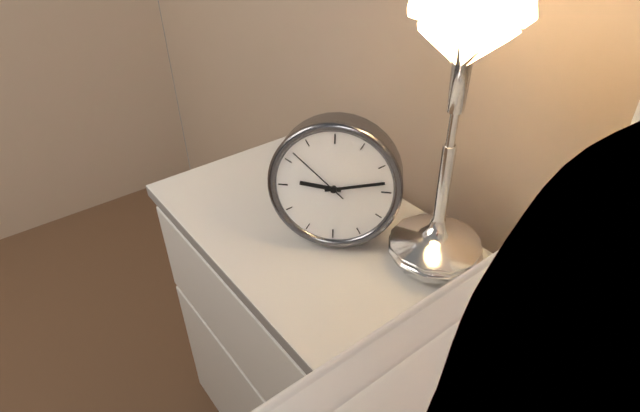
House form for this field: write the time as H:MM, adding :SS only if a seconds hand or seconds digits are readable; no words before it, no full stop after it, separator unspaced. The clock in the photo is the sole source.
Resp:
9:13:52
